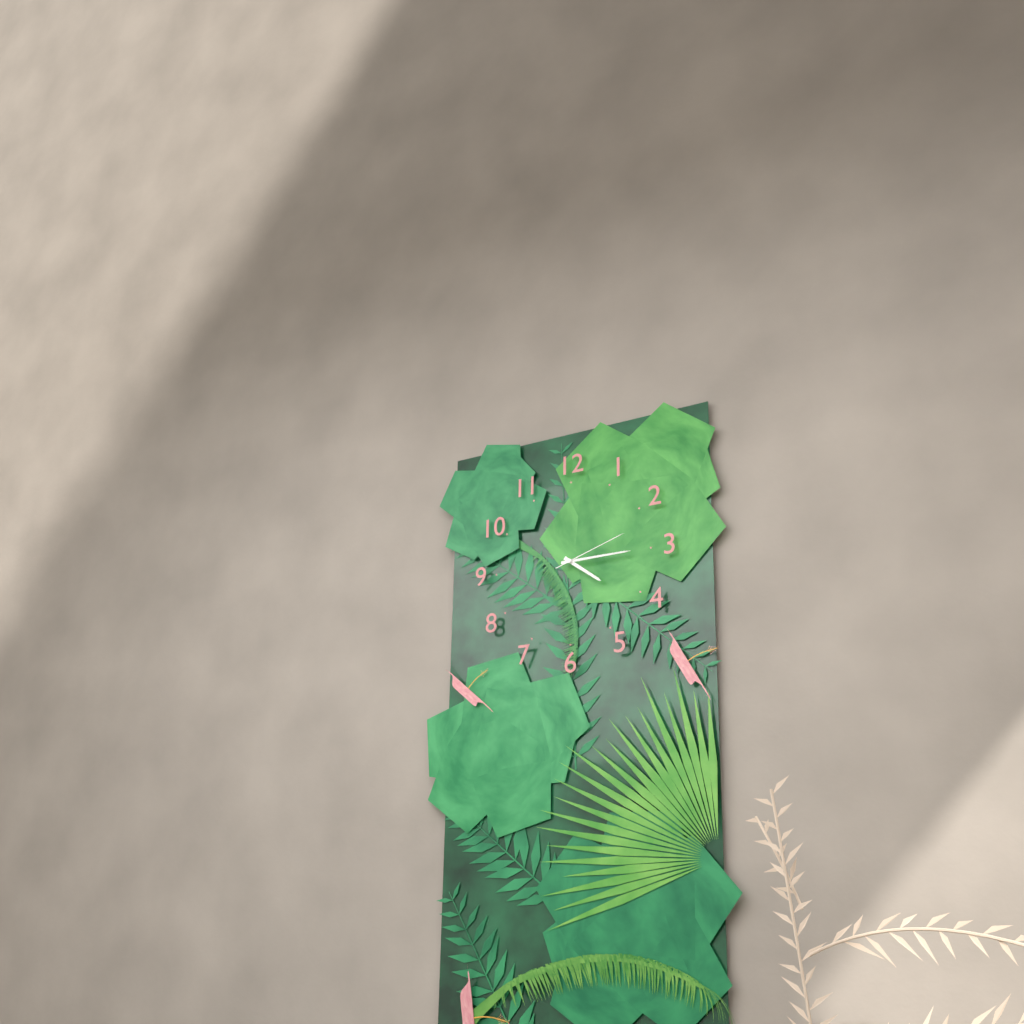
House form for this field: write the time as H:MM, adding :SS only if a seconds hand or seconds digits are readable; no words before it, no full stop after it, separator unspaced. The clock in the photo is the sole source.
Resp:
4:15:12
